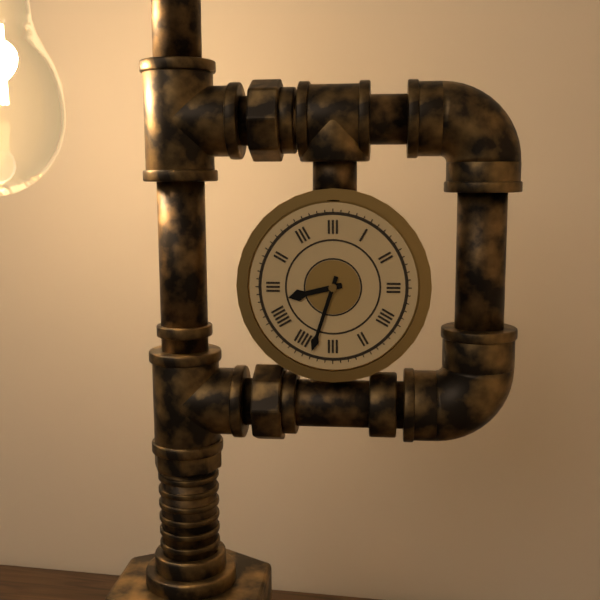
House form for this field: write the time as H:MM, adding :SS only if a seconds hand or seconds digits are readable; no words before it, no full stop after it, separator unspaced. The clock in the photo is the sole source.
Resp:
8:33
